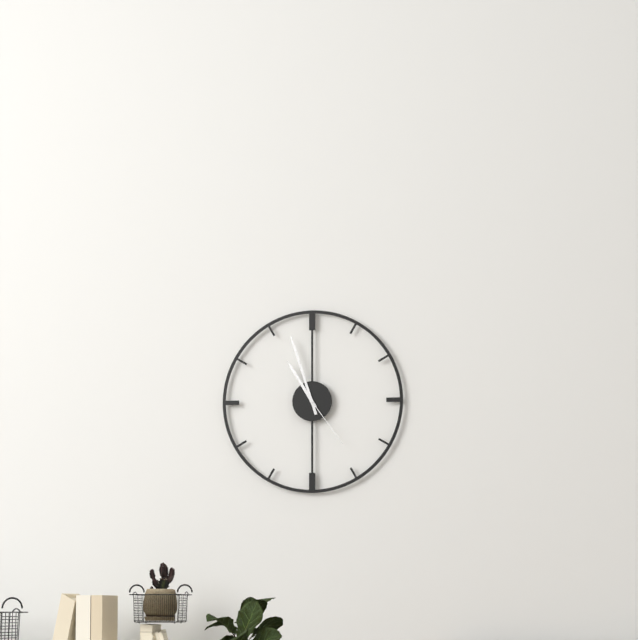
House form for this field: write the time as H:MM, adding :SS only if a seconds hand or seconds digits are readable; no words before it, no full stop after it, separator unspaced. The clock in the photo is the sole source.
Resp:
10:57:24
